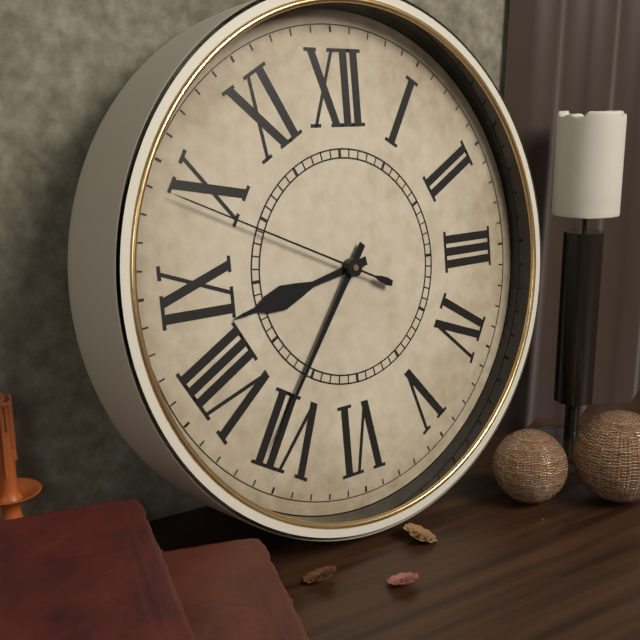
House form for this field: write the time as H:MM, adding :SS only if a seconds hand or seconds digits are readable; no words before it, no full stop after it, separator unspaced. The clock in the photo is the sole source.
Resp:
8:36:49
